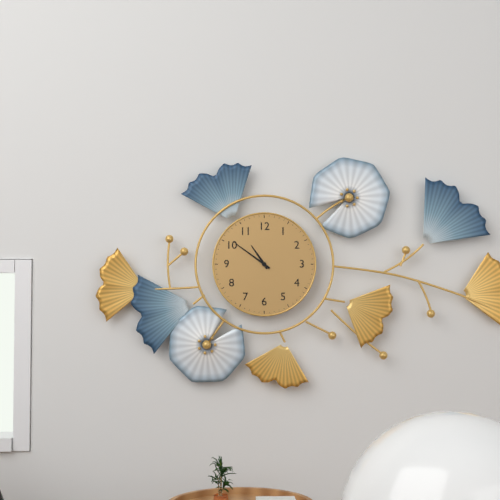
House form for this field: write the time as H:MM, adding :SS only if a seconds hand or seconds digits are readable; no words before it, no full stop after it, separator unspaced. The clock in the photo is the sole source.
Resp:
10:51
